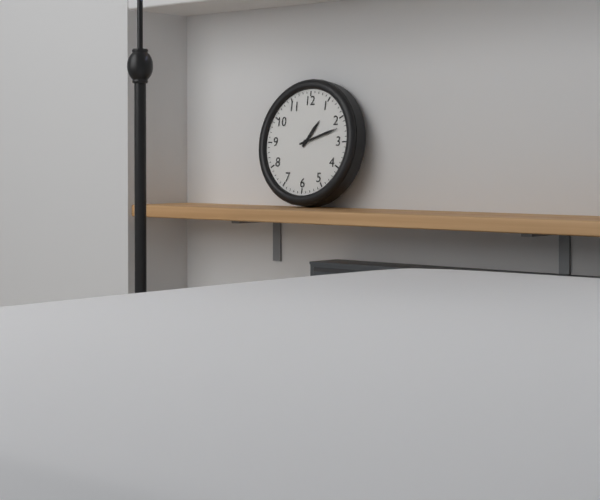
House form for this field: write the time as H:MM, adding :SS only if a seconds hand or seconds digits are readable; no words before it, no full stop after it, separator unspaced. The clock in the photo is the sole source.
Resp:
1:12
